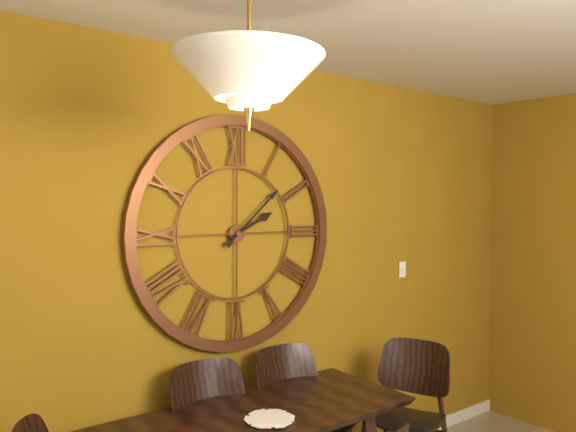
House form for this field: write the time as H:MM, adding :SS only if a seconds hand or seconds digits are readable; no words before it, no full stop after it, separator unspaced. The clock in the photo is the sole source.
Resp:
2:08
